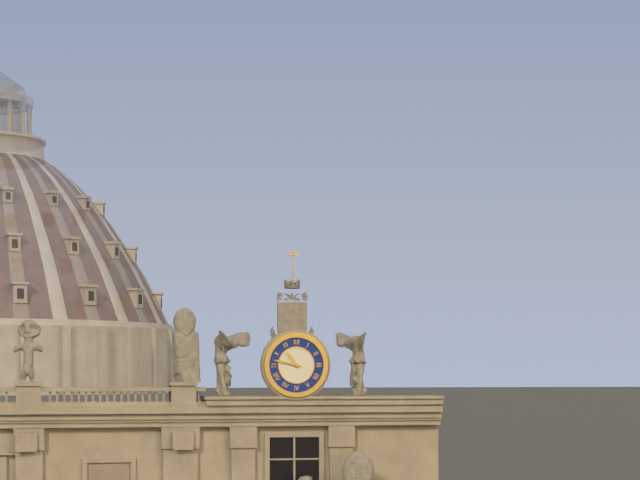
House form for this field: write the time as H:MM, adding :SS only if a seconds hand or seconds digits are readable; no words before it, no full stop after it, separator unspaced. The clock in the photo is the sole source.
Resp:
10:47
